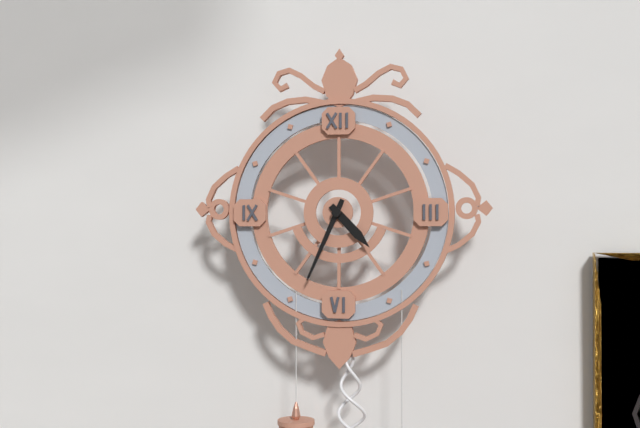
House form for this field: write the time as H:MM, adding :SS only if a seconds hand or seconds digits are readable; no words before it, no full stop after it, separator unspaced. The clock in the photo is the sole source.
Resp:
4:34
